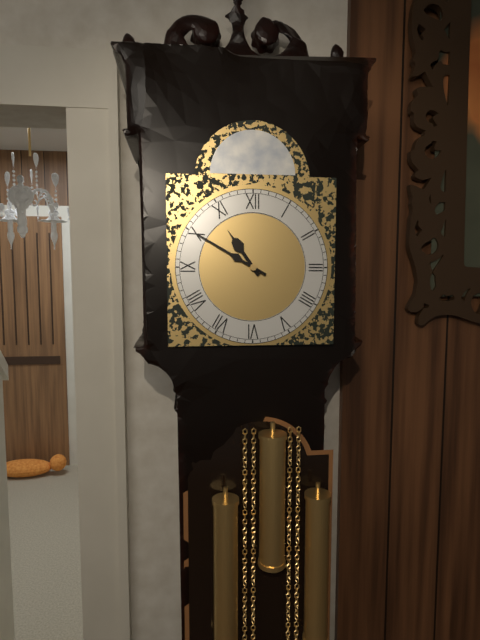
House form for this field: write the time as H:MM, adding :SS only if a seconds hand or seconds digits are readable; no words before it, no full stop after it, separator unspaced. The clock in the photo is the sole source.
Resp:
10:50
